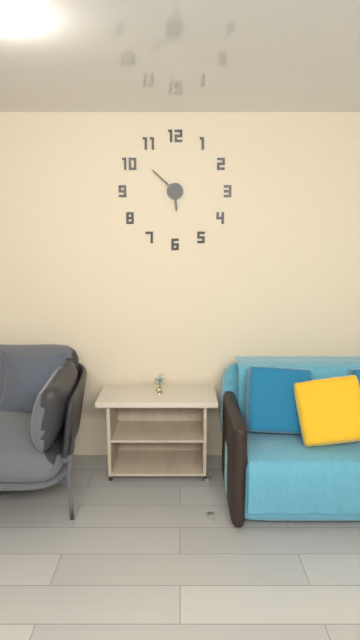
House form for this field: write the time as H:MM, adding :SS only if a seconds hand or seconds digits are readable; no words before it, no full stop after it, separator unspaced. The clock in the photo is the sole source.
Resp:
5:52
